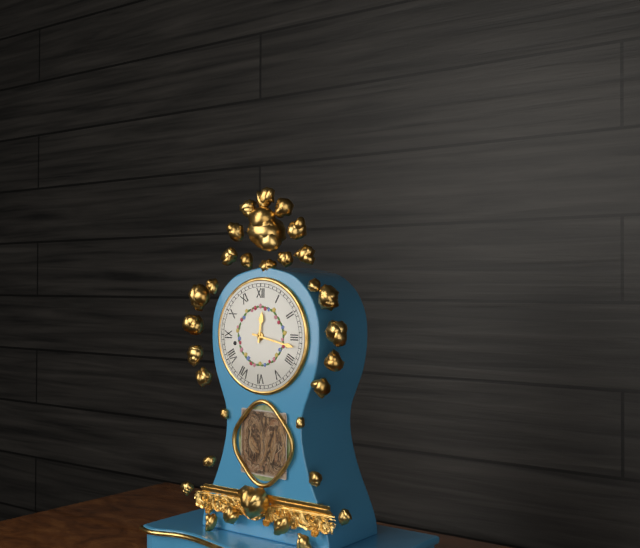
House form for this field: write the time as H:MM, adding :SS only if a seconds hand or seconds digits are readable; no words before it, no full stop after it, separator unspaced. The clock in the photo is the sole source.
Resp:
12:17
